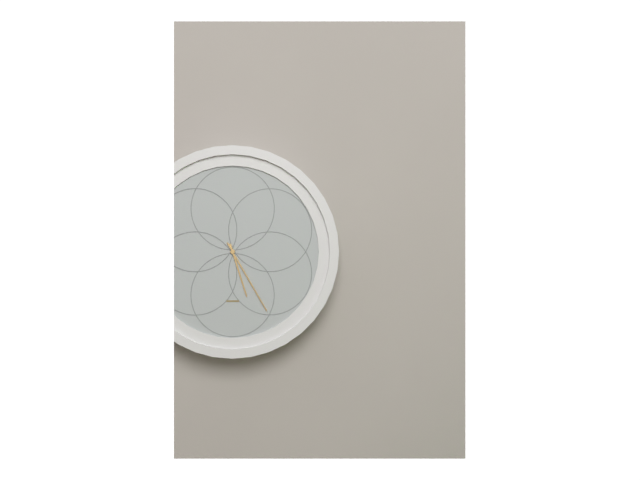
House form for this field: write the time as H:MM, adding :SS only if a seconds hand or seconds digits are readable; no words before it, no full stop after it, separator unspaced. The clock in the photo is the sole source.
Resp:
5:25
